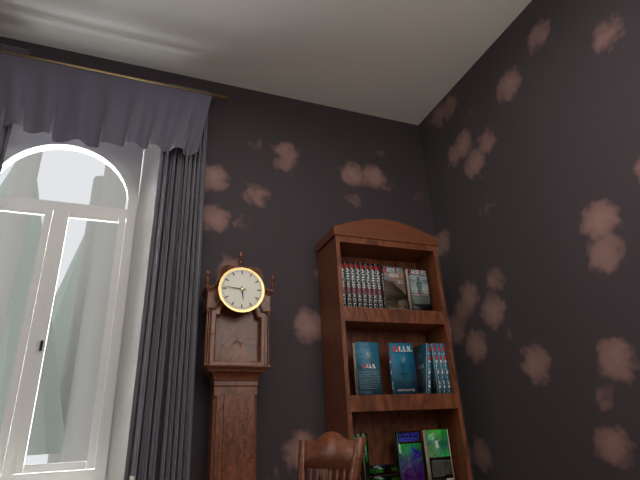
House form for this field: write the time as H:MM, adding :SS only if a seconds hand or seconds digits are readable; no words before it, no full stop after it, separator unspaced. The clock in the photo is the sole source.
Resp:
5:46
